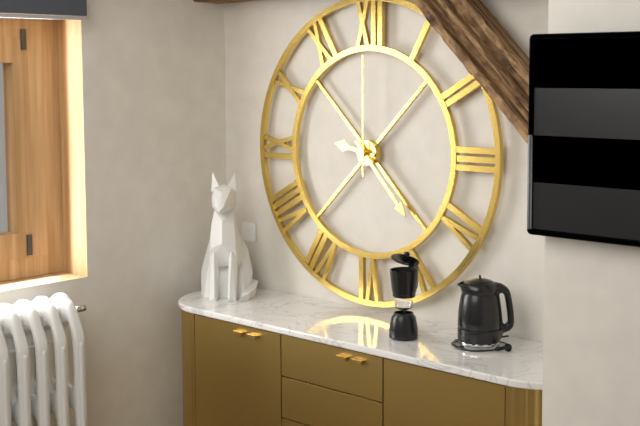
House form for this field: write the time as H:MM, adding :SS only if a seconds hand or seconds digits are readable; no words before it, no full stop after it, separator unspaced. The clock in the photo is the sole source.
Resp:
9:23:00
